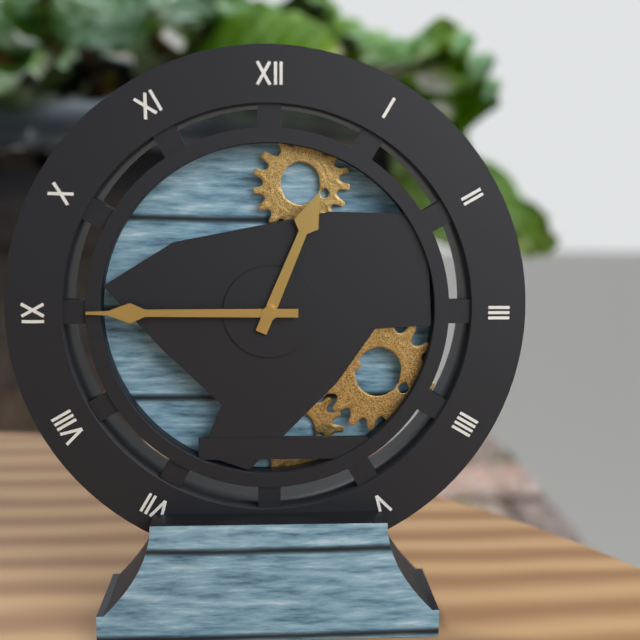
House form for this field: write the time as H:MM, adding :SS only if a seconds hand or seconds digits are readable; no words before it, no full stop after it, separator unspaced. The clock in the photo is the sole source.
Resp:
12:45
